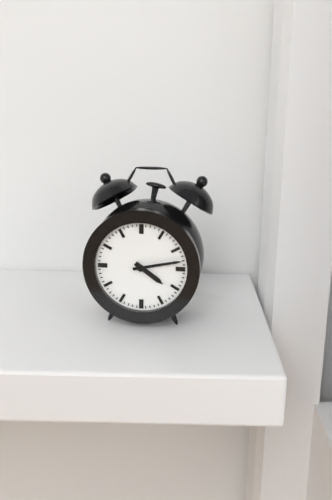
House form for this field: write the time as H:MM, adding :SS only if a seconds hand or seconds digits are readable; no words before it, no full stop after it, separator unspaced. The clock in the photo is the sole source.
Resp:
4:13
